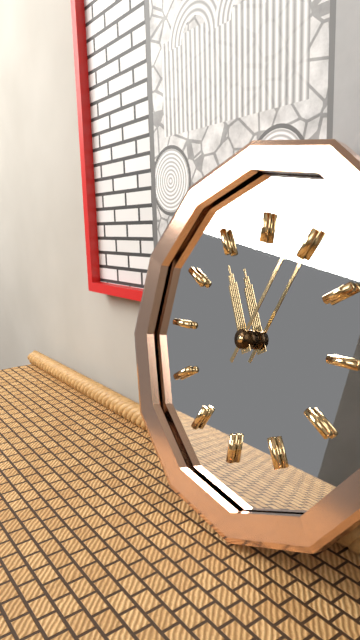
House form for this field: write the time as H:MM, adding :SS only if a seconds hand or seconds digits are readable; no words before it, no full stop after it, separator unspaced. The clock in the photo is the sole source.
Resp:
11:04
